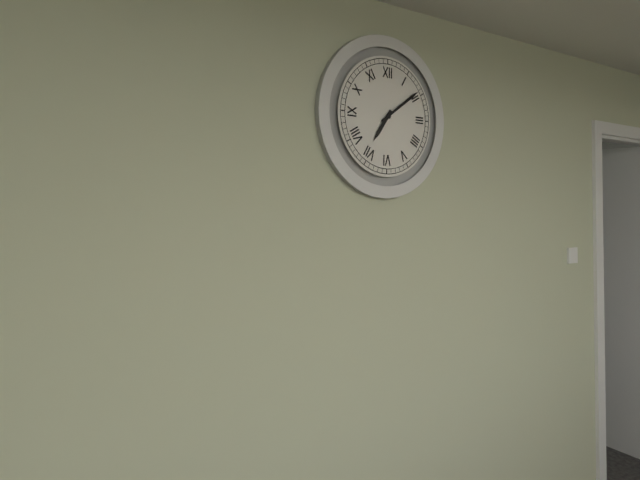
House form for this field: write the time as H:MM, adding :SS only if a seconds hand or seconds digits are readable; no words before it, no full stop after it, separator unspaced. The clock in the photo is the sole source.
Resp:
7:09
